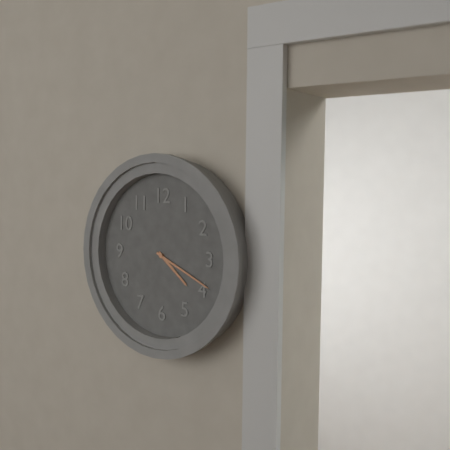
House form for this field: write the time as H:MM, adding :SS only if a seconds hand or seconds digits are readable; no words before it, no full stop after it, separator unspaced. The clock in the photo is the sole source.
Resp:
4:19
